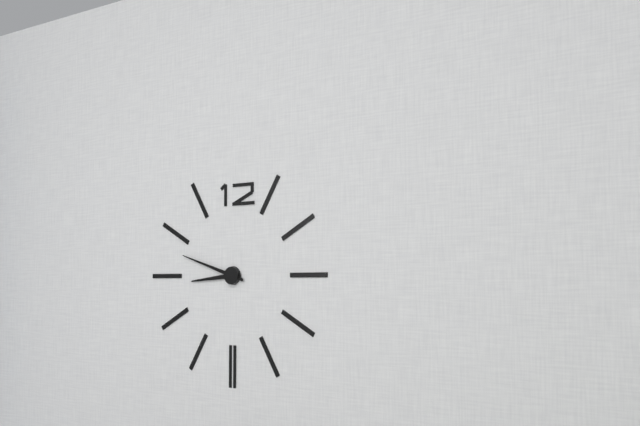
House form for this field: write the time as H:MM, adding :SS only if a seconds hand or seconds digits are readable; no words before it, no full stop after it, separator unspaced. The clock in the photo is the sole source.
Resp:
8:48
